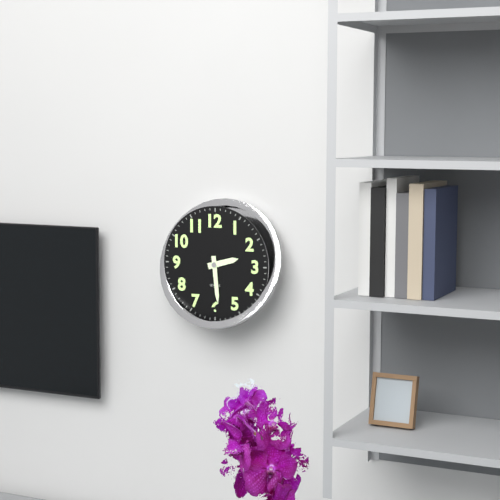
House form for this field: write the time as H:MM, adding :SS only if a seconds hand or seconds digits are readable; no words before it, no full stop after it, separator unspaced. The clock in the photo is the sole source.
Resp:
2:29
